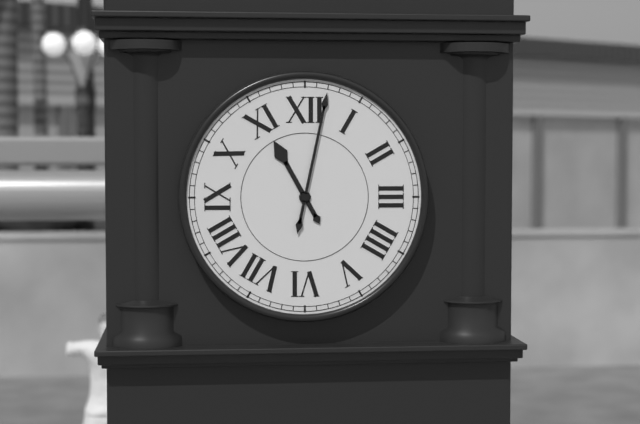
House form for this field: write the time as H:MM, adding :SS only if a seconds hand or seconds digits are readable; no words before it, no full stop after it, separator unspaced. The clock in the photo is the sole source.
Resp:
11:02
